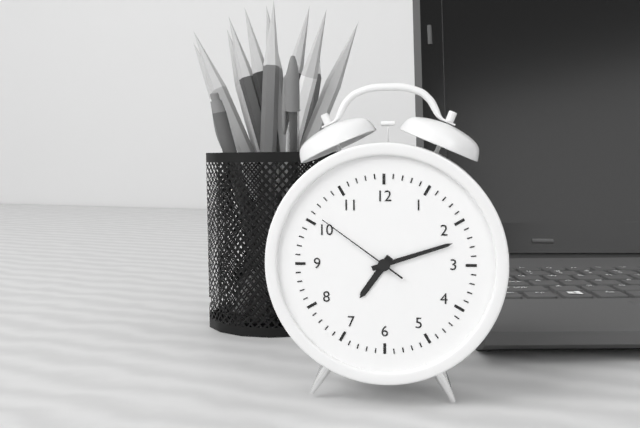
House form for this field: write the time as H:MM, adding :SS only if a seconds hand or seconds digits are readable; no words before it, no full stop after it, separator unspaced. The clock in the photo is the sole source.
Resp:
7:12:51
